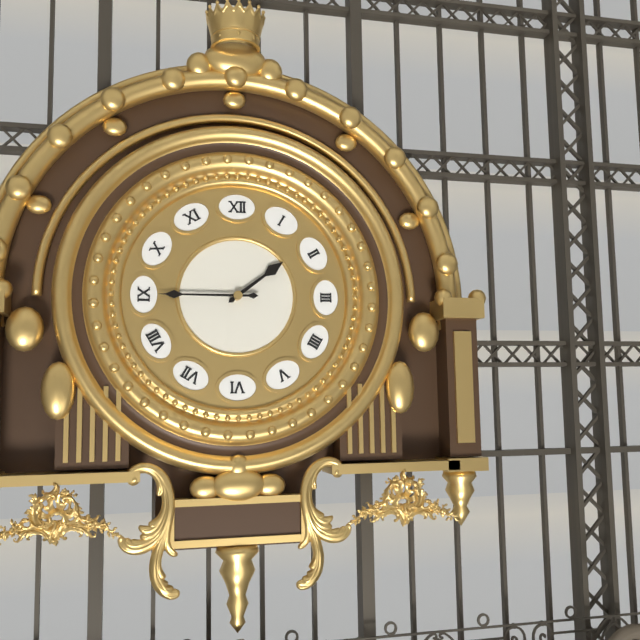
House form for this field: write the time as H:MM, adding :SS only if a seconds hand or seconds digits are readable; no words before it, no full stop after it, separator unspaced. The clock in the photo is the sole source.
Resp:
1:45
